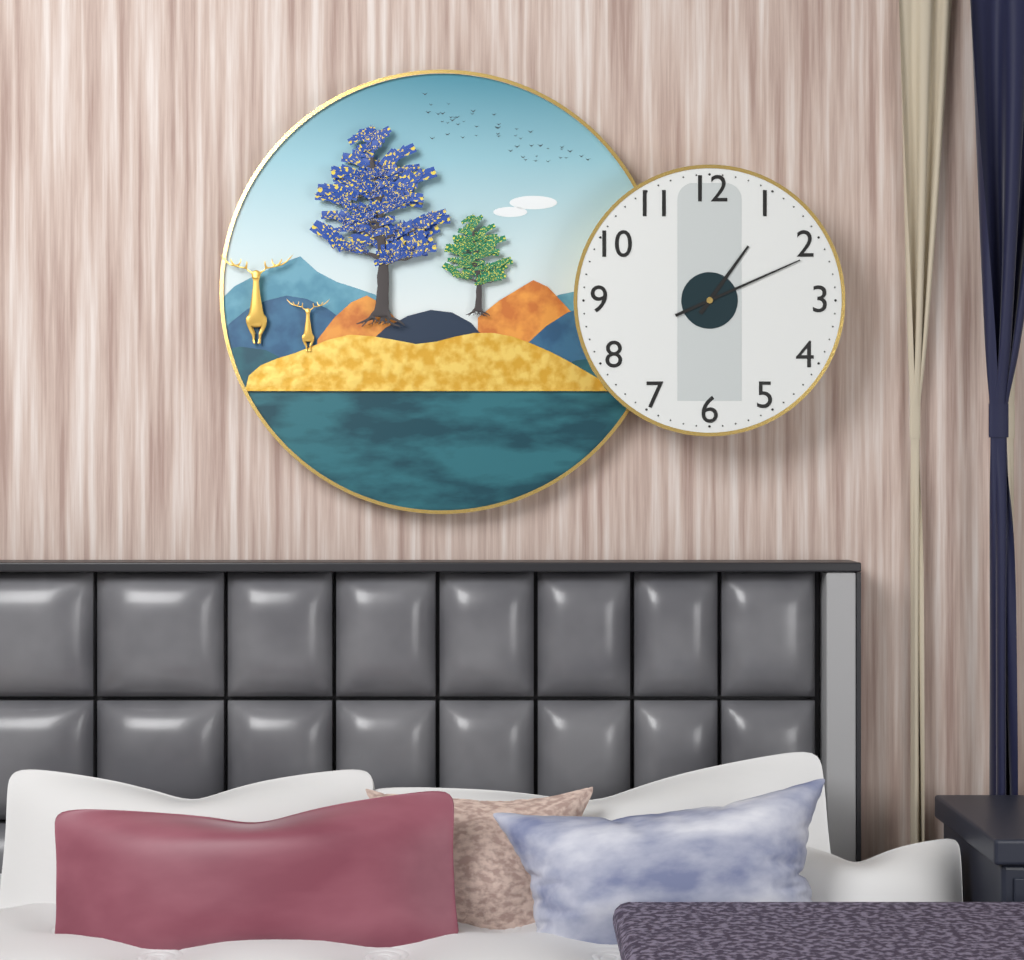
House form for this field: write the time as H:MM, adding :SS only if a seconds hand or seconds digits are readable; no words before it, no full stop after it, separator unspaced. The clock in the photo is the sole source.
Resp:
1:11
